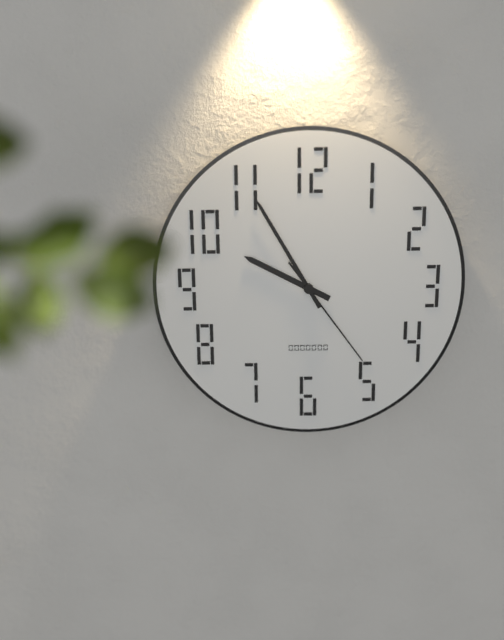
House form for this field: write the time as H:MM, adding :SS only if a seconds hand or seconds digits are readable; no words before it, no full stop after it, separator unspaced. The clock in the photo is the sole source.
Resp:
9:55:24
